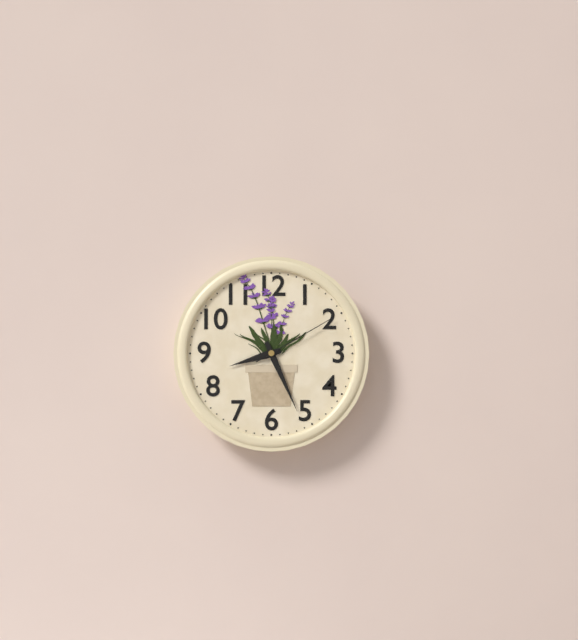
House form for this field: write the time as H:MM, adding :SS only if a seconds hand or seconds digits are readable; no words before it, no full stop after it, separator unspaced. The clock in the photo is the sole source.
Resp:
8:26:10
